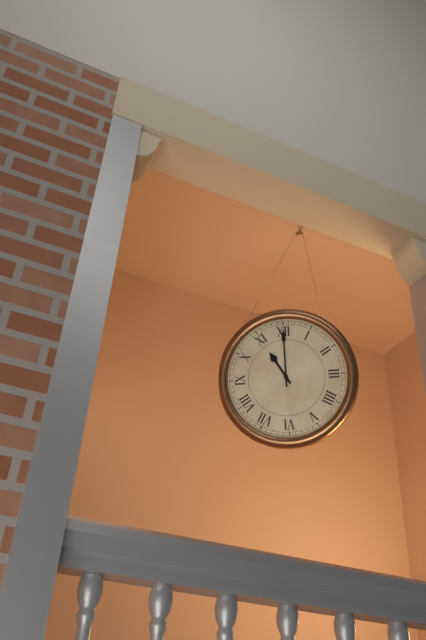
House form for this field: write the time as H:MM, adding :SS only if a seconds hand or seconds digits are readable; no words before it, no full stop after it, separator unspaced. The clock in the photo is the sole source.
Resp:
11:00
